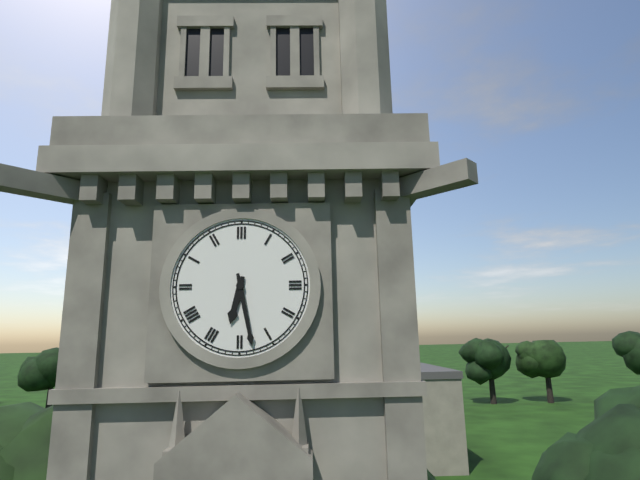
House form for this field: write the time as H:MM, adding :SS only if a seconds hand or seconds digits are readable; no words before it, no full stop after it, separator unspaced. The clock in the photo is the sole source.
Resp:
6:28
